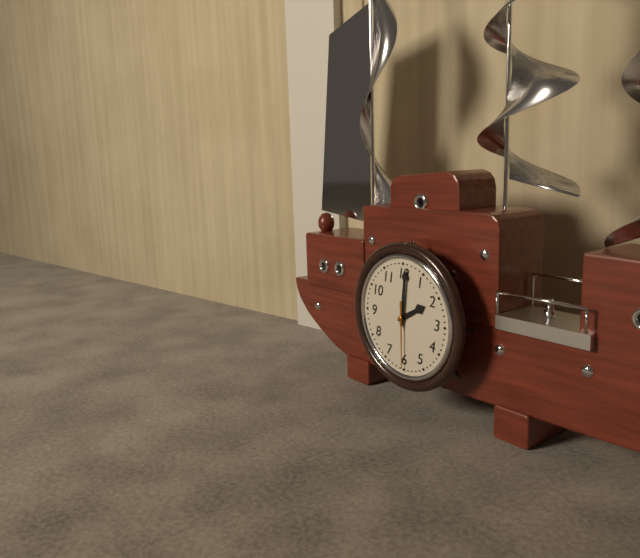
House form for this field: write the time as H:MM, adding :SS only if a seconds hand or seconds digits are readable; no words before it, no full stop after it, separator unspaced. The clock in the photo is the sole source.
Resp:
2:01:30
